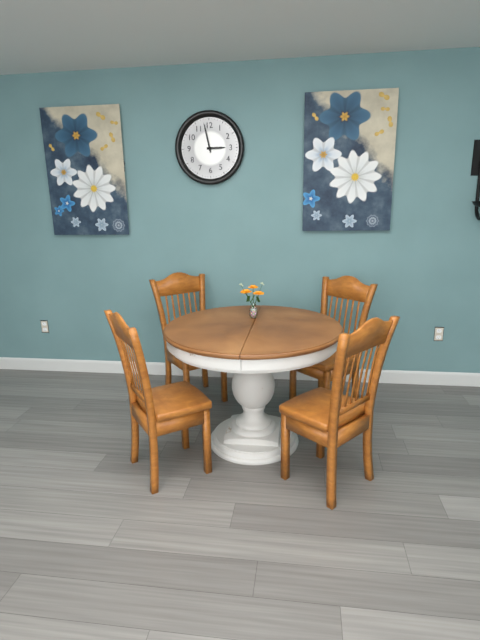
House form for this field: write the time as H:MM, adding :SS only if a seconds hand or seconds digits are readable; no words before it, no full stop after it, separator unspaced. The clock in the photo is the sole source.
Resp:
2:58
